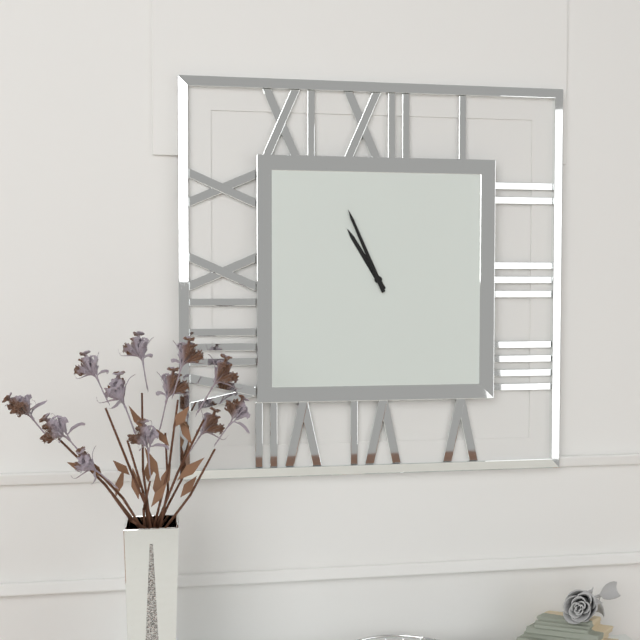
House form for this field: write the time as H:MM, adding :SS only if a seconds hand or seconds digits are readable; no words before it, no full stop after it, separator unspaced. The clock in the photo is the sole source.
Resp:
10:56
